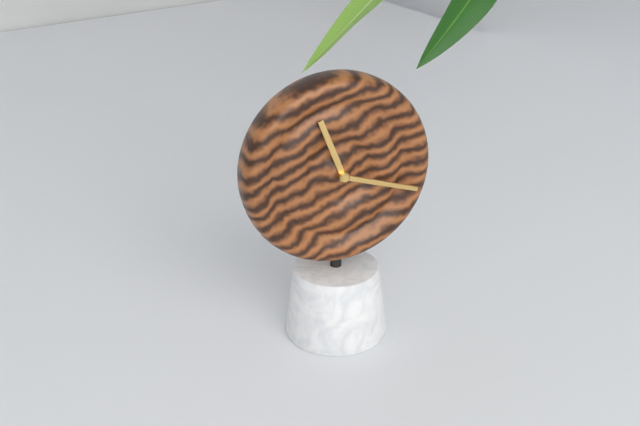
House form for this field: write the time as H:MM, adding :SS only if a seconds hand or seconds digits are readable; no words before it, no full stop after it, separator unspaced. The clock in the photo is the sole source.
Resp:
11:18
